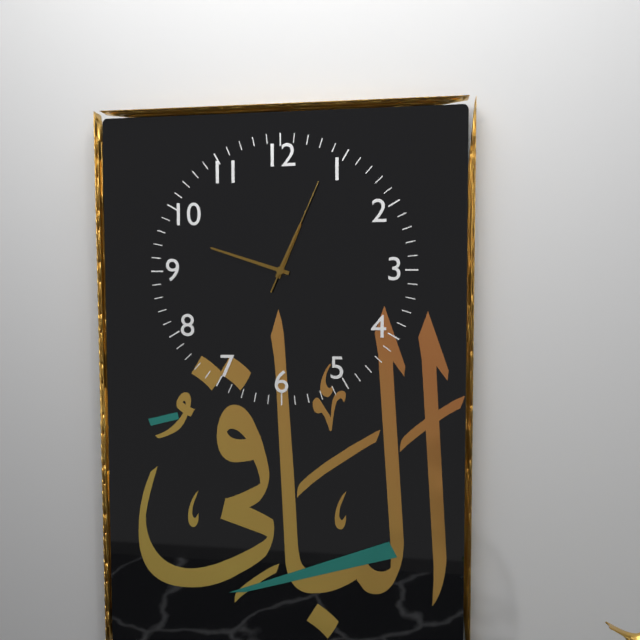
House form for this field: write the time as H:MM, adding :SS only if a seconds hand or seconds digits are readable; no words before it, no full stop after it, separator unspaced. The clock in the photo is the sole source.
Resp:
12:48:04
